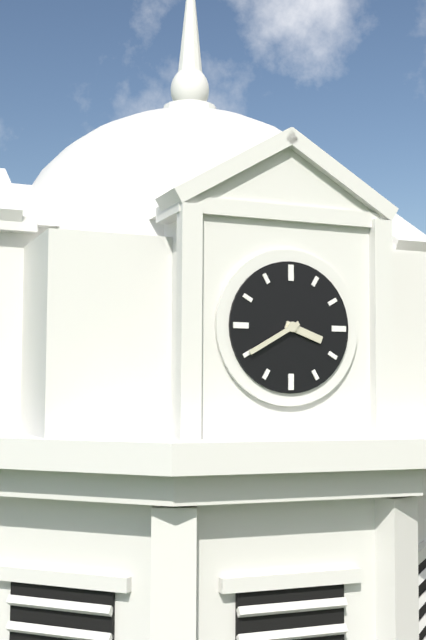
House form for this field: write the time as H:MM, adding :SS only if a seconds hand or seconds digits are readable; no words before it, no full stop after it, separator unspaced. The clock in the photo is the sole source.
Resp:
3:40
